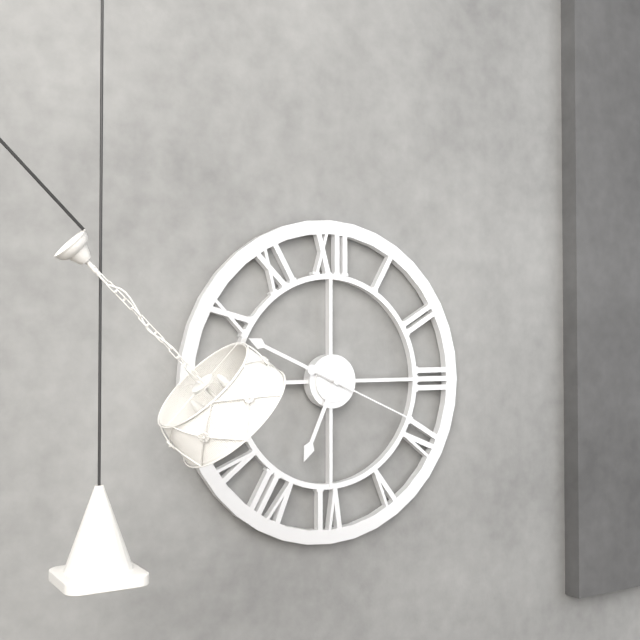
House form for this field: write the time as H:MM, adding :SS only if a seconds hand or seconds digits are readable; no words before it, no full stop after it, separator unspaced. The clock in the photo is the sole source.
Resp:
6:49:19
